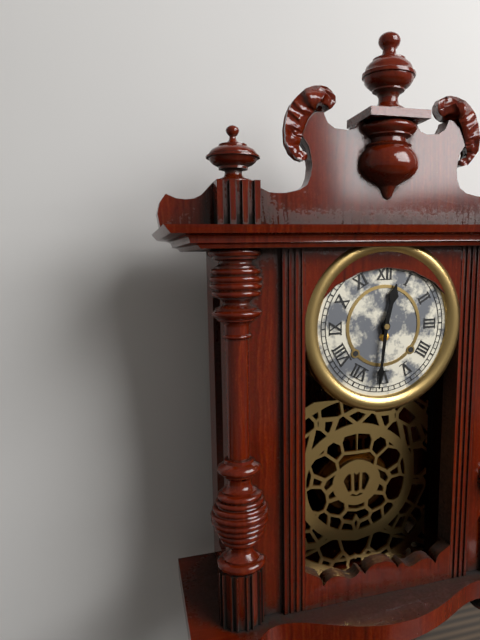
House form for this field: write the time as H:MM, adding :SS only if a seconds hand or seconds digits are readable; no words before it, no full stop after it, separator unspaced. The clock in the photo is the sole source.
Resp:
12:31
